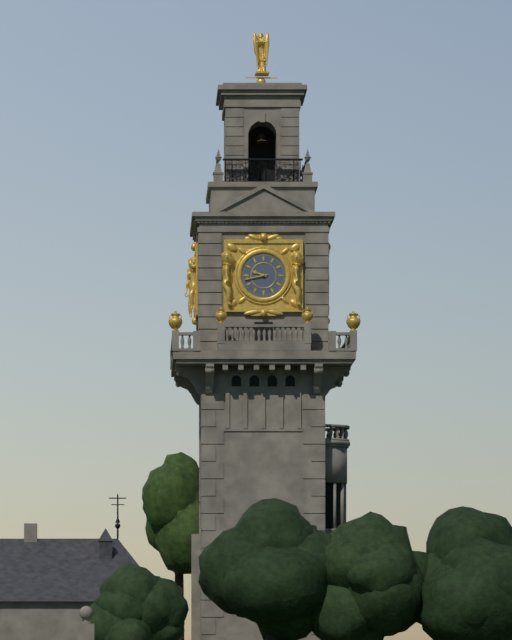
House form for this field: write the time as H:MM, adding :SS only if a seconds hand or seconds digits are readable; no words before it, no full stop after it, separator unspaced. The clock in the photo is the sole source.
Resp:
9:43
